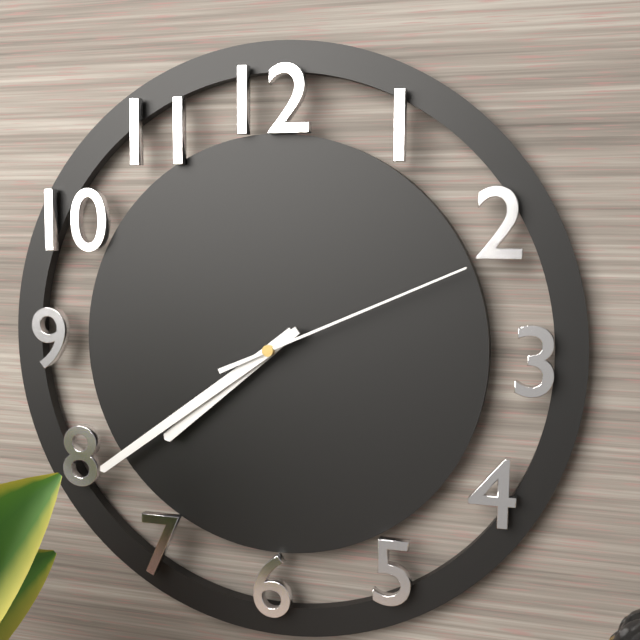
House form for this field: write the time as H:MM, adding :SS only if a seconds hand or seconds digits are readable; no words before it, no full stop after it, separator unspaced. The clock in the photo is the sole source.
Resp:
7:39:11
